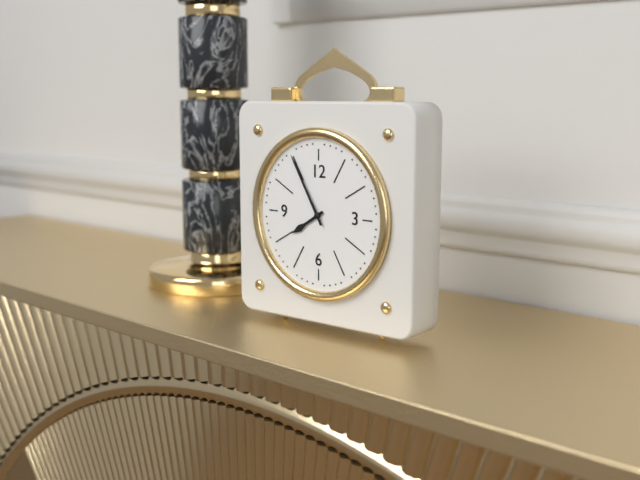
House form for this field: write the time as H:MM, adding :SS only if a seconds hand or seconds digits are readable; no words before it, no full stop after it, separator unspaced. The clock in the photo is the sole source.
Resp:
7:55
